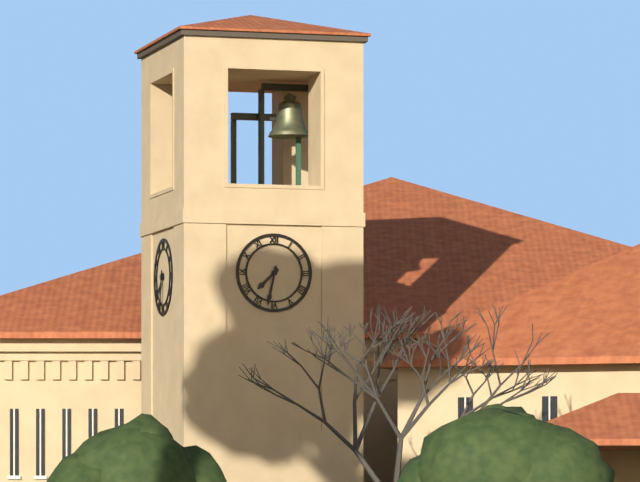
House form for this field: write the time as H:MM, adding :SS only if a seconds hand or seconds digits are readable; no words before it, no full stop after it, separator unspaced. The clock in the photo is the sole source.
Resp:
7:32
